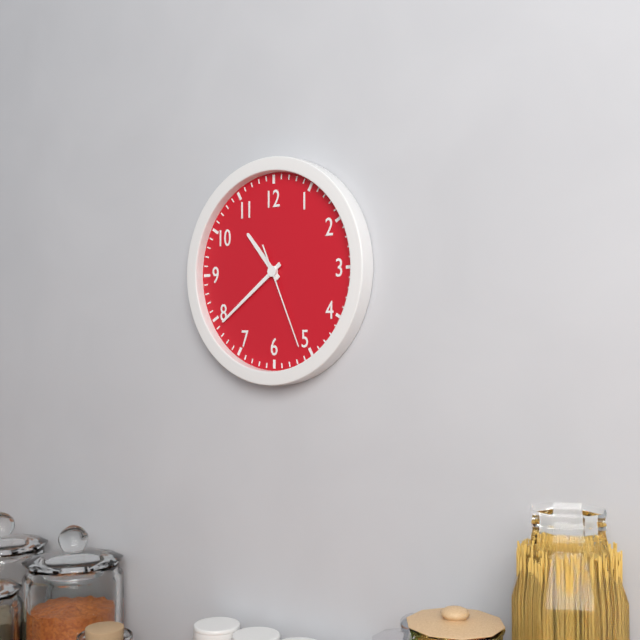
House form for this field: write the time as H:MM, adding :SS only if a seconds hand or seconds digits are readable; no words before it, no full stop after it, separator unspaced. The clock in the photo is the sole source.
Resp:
10:39:26
